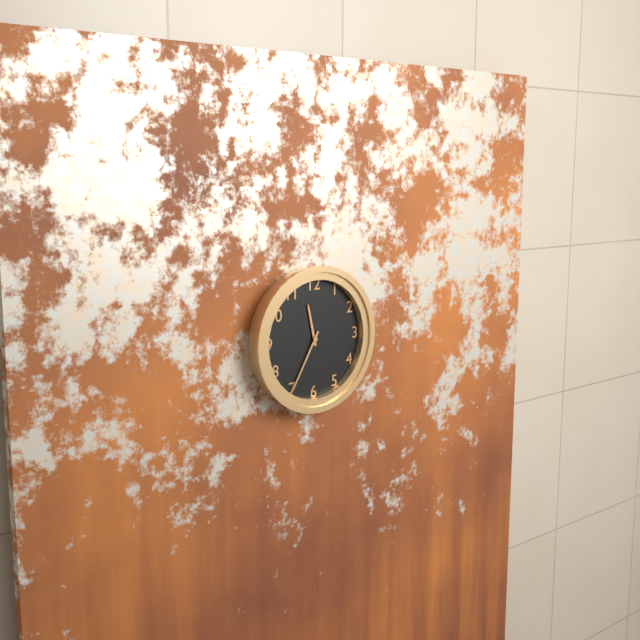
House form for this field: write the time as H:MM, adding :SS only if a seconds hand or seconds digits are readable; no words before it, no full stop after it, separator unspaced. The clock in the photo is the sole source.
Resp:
11:35
